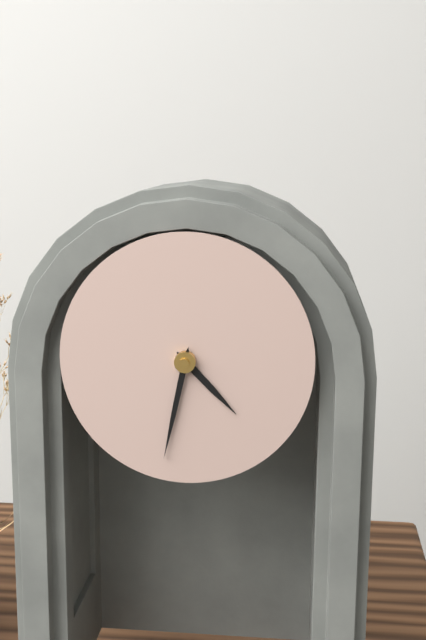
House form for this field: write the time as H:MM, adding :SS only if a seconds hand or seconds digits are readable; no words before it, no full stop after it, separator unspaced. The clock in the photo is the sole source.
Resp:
4:32
